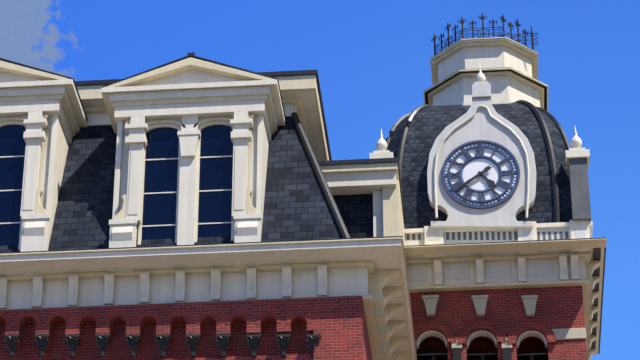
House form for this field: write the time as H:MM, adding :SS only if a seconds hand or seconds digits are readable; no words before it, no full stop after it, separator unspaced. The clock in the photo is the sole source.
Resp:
4:39
